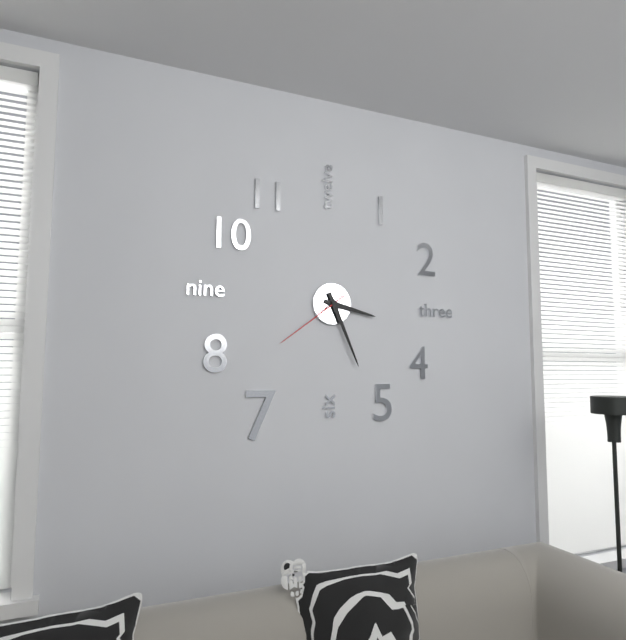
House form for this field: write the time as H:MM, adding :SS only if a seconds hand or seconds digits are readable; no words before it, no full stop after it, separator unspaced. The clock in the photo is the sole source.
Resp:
3:26:39
